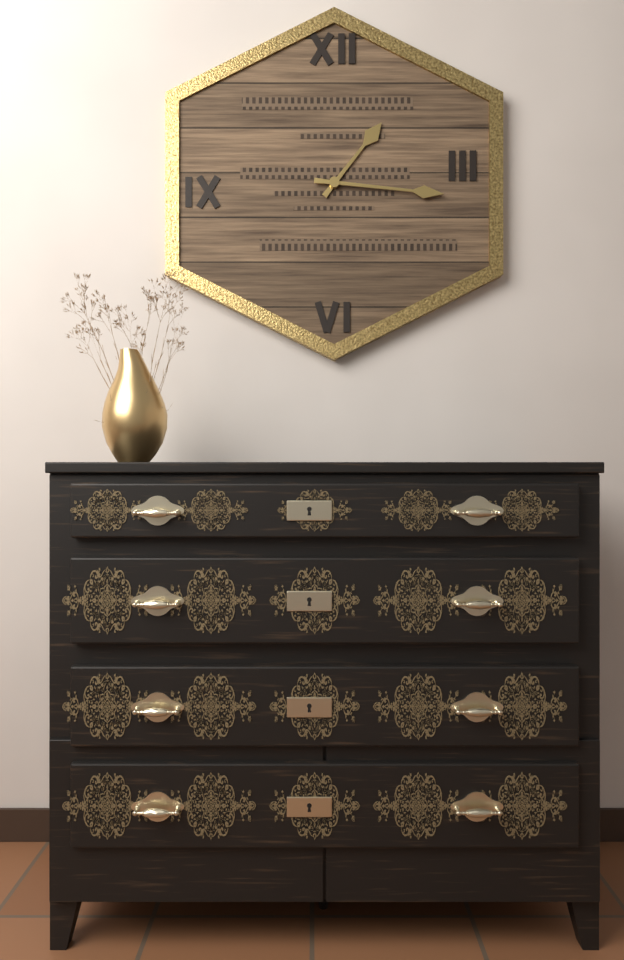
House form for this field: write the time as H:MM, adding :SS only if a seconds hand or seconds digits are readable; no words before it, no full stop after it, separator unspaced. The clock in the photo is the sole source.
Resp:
1:16
